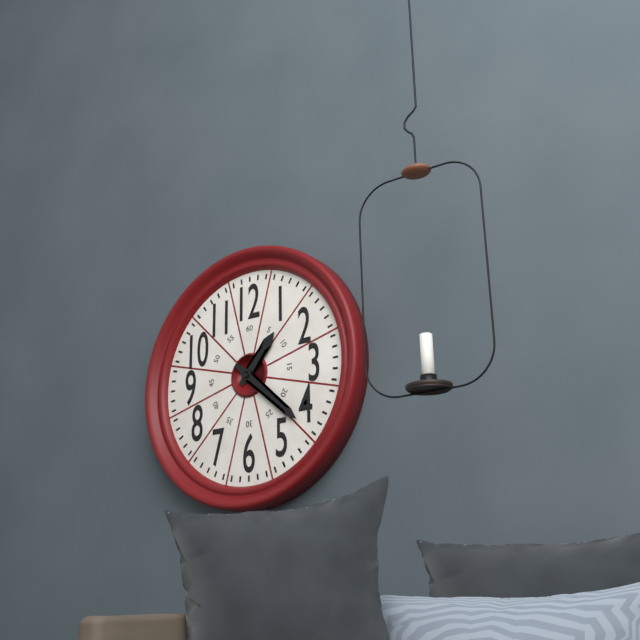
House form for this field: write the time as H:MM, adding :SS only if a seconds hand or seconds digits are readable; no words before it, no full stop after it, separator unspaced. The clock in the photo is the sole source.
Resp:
1:22
